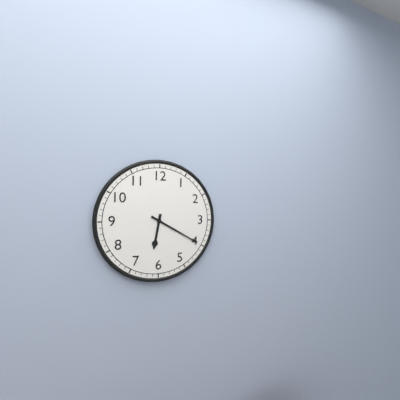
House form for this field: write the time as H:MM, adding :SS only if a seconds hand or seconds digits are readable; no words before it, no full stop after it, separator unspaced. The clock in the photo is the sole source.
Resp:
6:20
